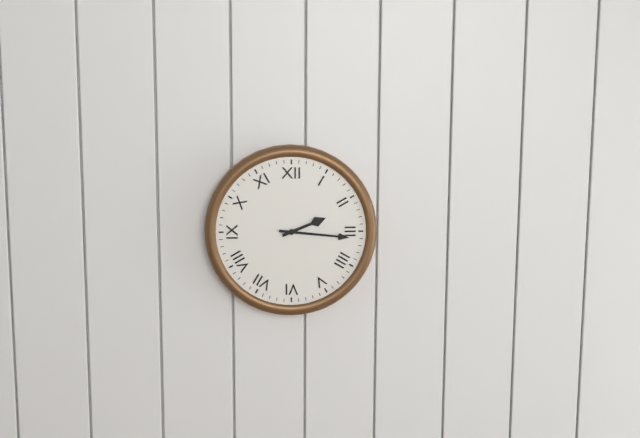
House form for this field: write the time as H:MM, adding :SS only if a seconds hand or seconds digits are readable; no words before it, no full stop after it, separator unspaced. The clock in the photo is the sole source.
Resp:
2:16
